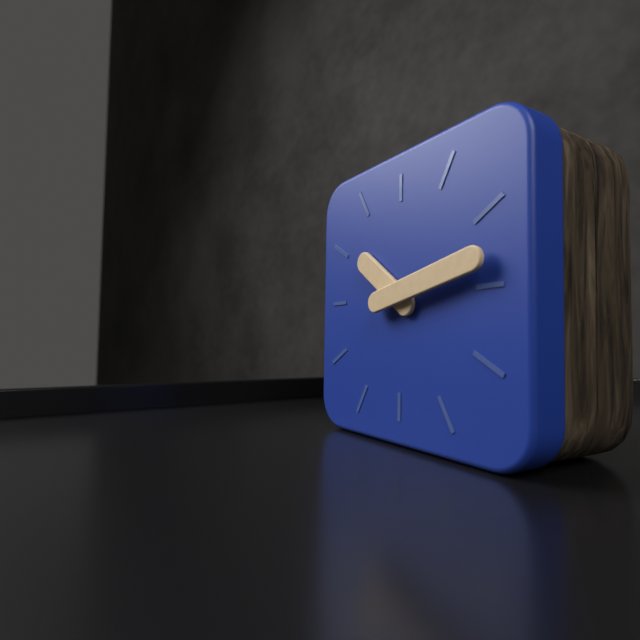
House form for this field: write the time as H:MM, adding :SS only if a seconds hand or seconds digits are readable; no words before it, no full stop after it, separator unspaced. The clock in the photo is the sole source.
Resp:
10:13
